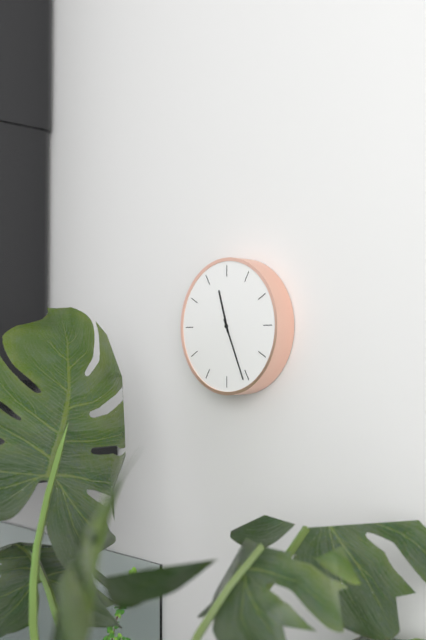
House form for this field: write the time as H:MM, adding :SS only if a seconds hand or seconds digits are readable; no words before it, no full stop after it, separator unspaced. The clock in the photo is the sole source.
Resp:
11:26
